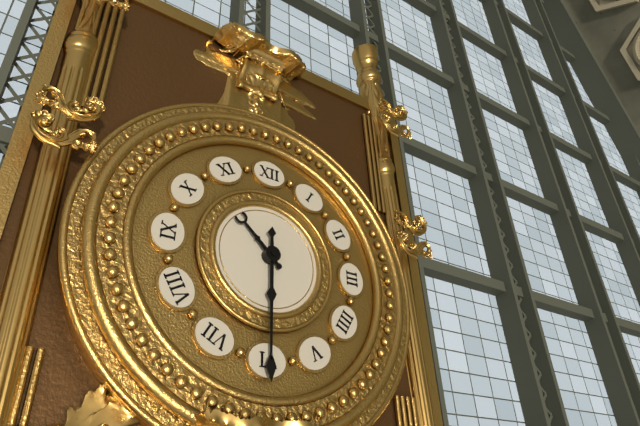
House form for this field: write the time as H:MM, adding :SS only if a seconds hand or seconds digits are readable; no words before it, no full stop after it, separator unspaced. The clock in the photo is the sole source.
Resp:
10:30
